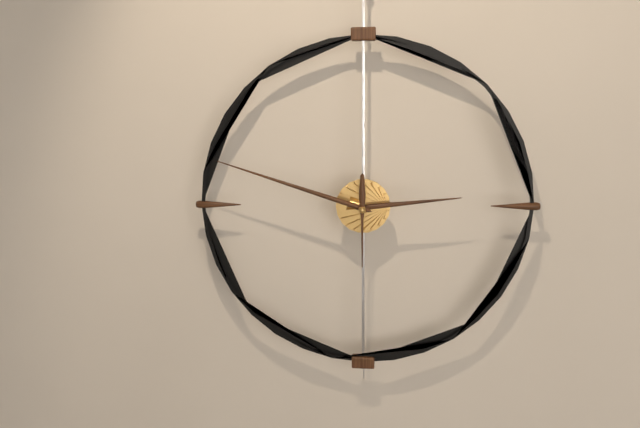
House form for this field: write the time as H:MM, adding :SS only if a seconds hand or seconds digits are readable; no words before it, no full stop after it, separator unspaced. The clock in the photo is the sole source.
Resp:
2:48:30
